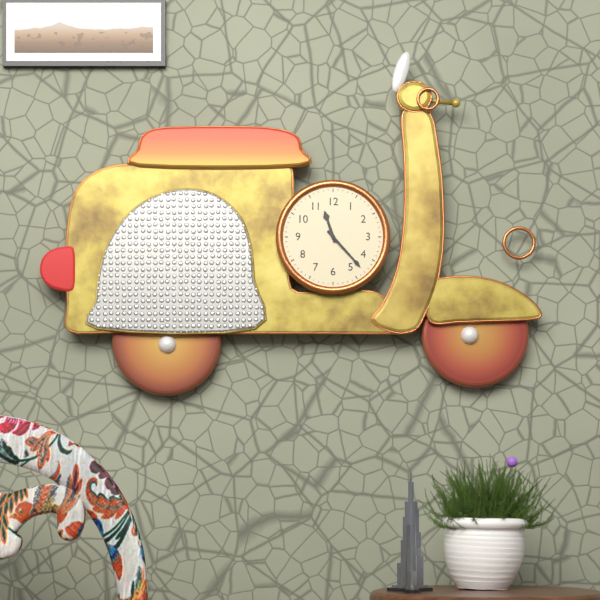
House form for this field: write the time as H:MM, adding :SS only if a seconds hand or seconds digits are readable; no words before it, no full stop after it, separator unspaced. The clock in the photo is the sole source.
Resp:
11:23
